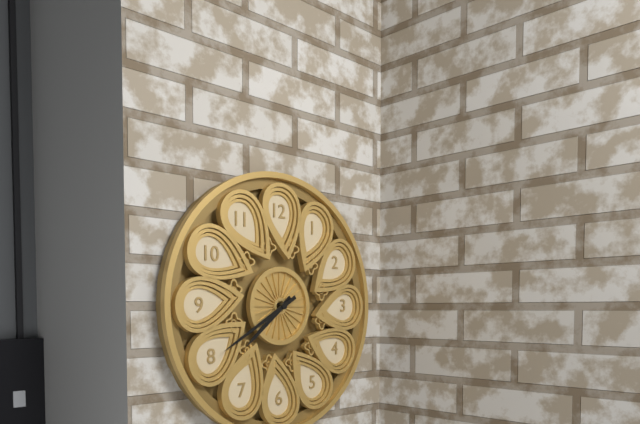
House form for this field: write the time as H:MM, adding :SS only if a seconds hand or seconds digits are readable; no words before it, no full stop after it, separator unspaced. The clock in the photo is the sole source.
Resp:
7:40
